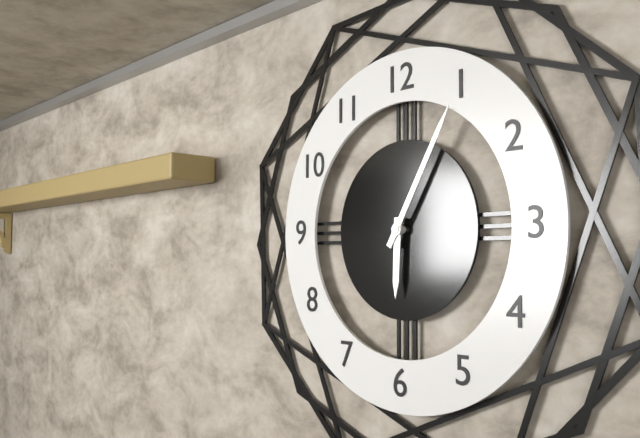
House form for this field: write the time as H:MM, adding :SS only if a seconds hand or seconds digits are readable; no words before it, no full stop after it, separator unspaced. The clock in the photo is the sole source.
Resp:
6:05
